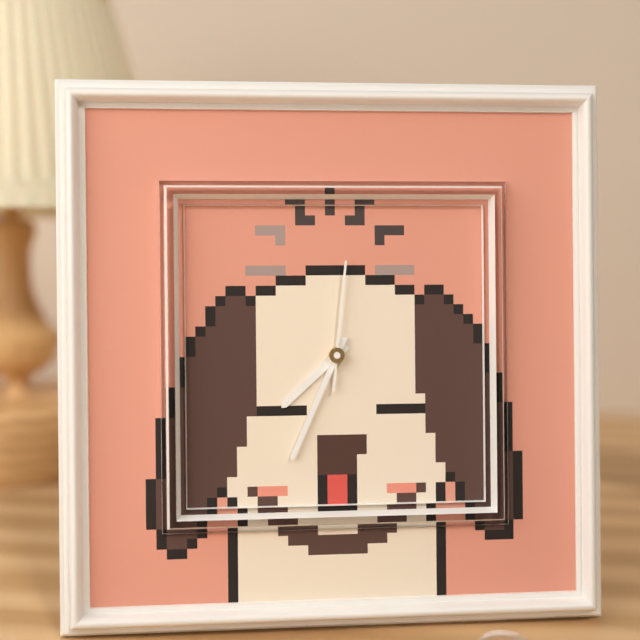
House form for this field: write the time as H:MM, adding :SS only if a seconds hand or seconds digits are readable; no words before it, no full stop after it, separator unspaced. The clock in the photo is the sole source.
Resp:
7:34:01
